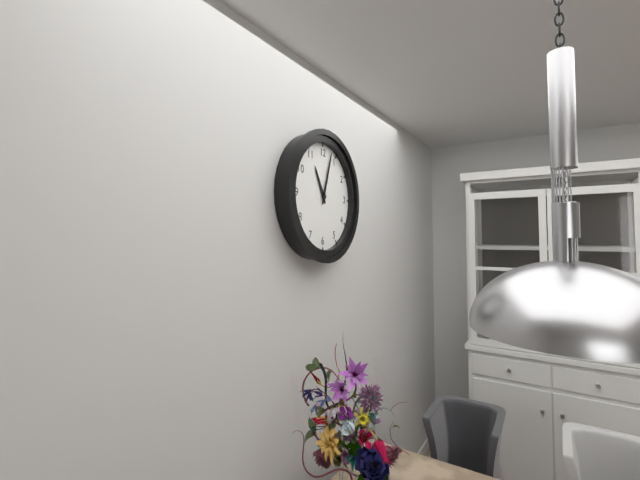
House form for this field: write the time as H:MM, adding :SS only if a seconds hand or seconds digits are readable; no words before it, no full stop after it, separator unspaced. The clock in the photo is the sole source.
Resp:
11:03
